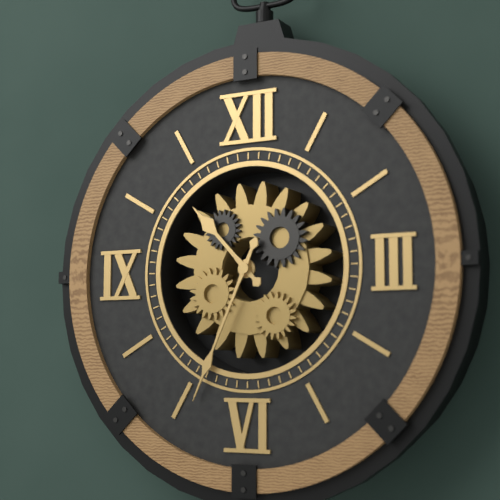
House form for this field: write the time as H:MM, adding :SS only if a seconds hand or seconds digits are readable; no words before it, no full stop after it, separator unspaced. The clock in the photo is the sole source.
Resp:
10:34
